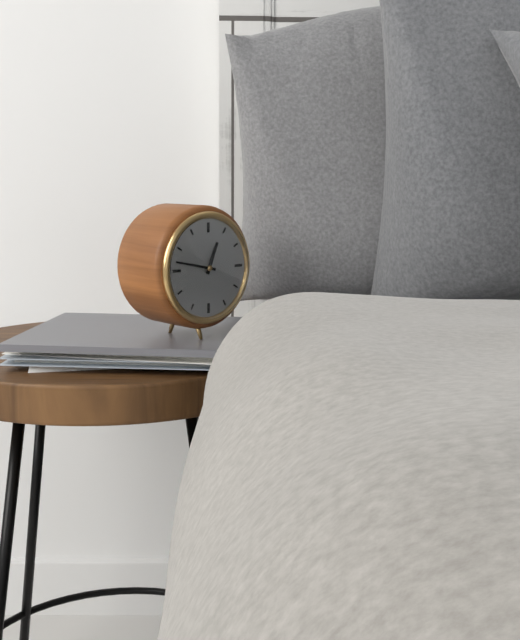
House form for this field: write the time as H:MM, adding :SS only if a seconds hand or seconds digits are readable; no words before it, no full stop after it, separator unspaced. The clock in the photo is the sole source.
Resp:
12:47
